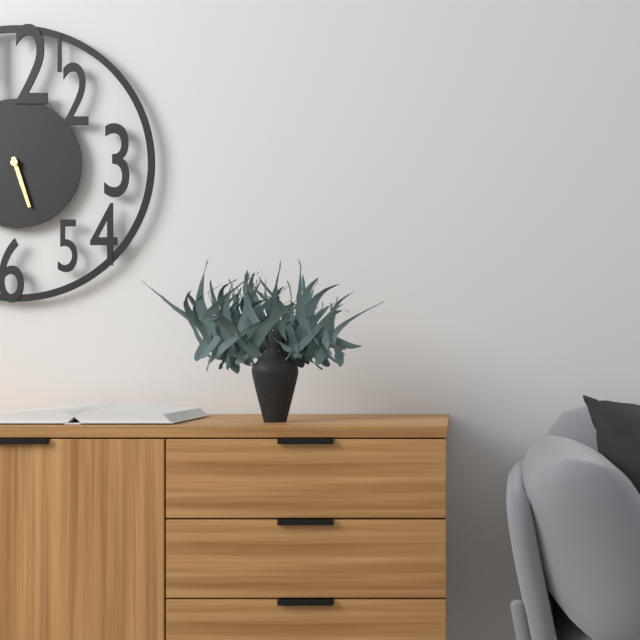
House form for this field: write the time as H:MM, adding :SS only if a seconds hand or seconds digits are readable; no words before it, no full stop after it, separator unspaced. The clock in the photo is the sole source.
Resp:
5:27
